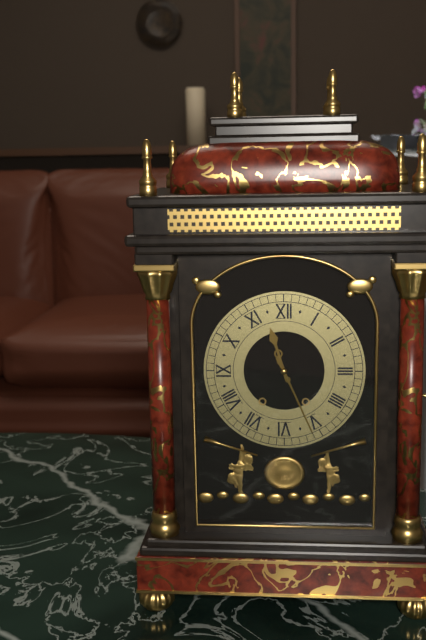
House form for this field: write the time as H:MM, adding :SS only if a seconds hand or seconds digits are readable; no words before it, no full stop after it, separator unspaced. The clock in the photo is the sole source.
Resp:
11:26
